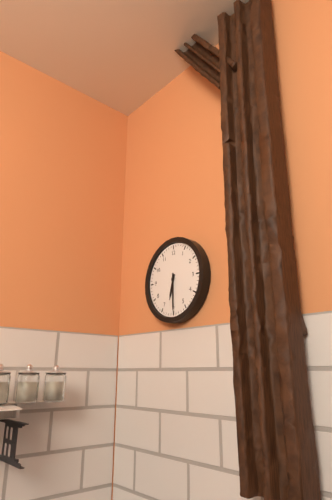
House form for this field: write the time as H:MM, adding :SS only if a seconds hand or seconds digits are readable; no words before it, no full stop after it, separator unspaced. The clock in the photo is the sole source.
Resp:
6:30
